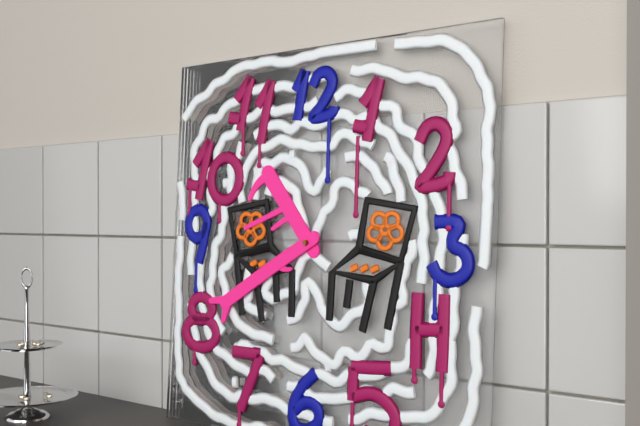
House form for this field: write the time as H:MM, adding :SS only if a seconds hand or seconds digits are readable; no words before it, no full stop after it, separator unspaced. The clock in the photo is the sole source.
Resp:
10:40
